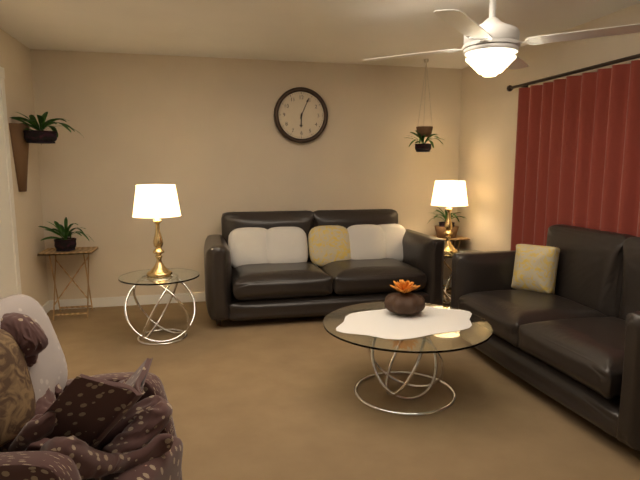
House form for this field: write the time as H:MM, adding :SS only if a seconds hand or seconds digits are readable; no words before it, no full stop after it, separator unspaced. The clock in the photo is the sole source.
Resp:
6:04
